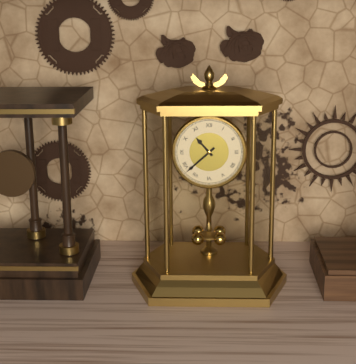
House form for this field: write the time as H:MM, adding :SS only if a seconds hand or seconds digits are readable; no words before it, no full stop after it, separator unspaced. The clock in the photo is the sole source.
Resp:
10:38
